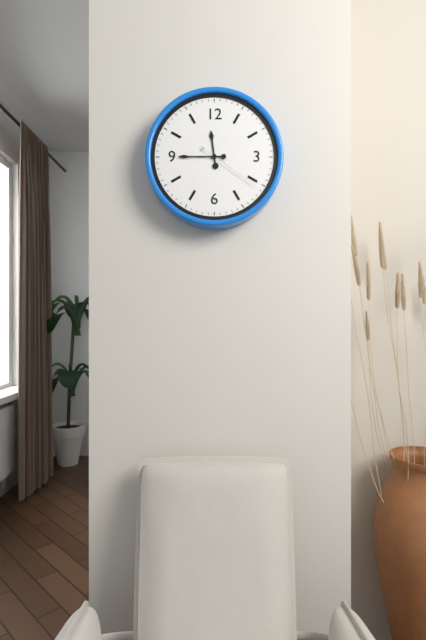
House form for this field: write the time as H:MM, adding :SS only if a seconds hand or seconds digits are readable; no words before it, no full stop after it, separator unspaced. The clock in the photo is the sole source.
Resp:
11:45:21
